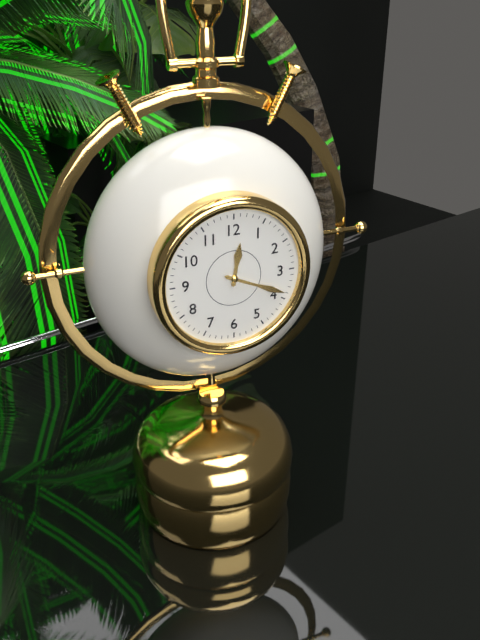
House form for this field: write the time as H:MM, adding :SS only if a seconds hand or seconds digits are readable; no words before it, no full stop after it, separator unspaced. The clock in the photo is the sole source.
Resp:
12:19
